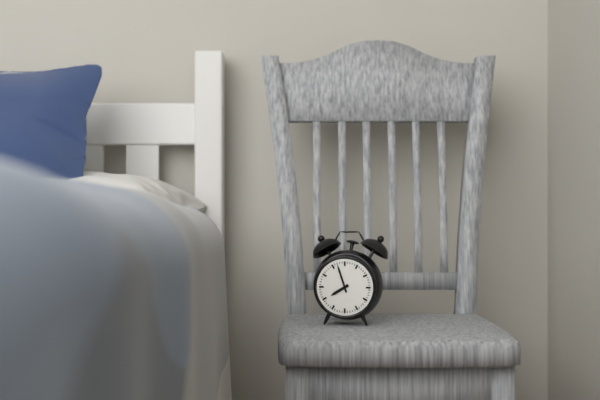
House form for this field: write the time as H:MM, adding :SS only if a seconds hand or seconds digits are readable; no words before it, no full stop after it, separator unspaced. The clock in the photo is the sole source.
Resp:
7:57
